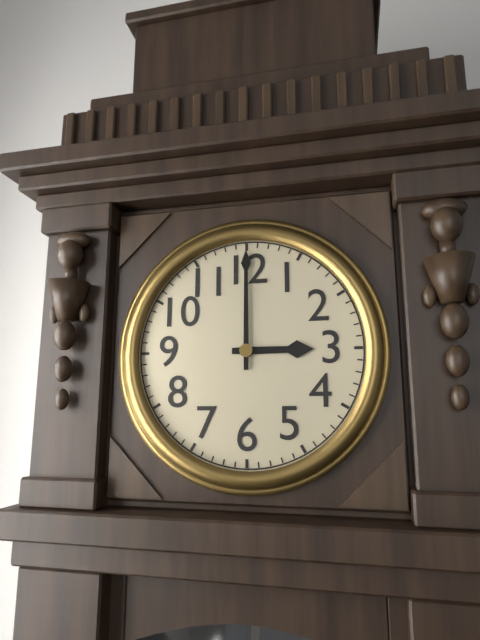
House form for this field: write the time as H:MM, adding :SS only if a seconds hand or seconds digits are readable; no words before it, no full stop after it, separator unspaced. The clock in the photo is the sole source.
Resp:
3:00
